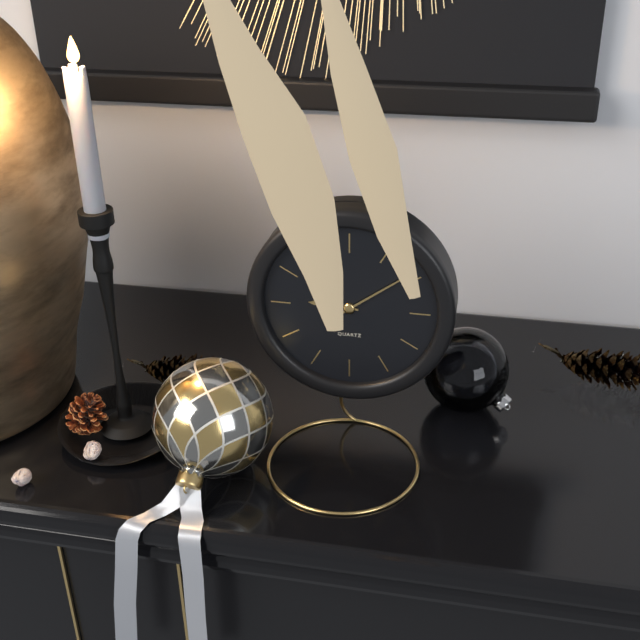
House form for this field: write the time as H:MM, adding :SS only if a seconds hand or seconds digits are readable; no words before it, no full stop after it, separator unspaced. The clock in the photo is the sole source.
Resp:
9:09
